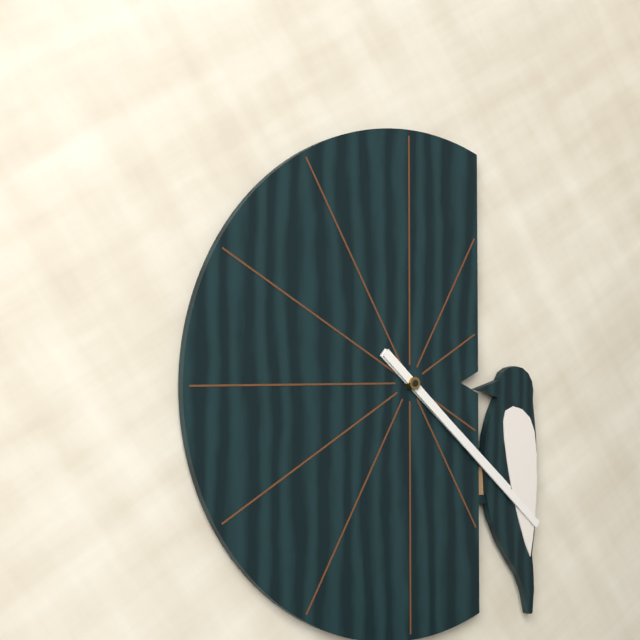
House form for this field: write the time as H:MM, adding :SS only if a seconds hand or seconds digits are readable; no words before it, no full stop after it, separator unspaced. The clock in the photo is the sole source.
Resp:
4:22
